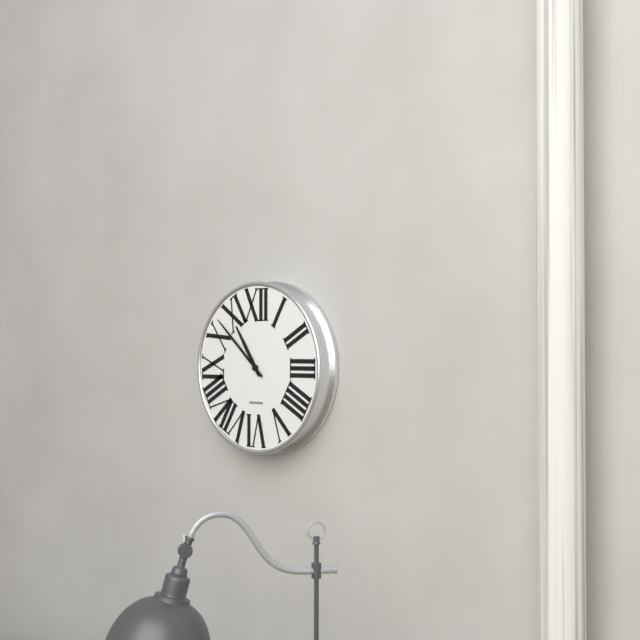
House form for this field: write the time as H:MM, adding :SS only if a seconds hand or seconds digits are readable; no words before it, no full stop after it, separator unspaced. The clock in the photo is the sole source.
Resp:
10:52
